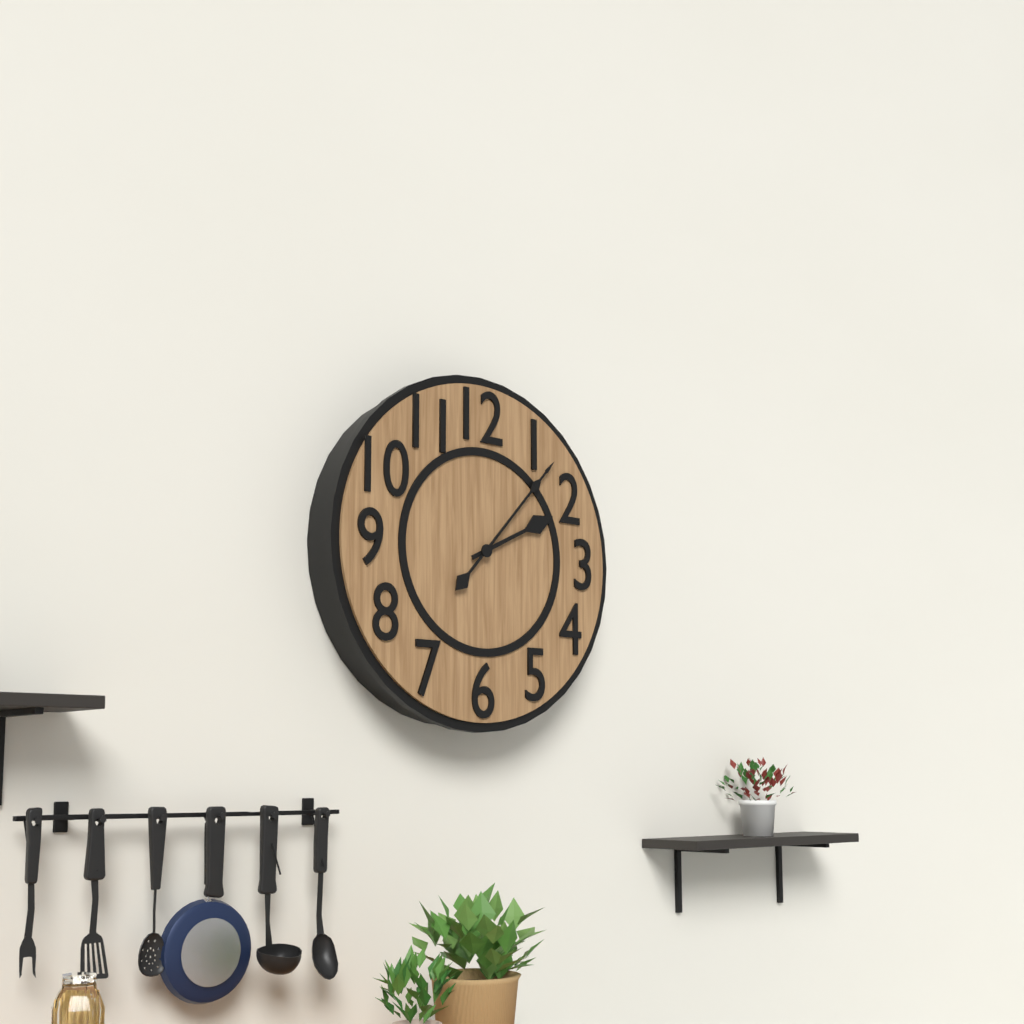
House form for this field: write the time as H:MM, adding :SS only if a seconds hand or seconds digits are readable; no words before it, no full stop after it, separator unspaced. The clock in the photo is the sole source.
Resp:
2:07
